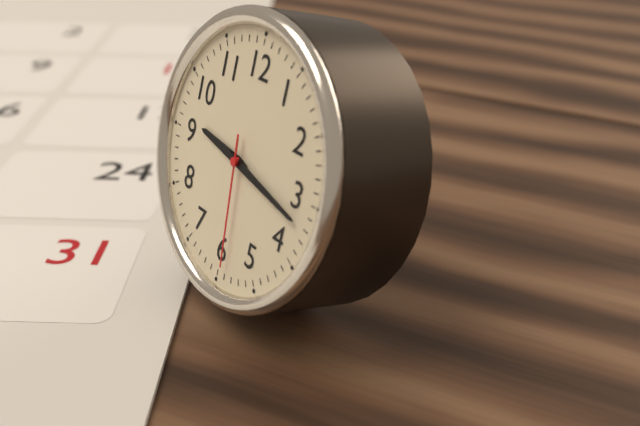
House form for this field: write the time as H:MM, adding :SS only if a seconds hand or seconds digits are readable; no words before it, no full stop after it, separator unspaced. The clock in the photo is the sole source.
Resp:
9:17:29
